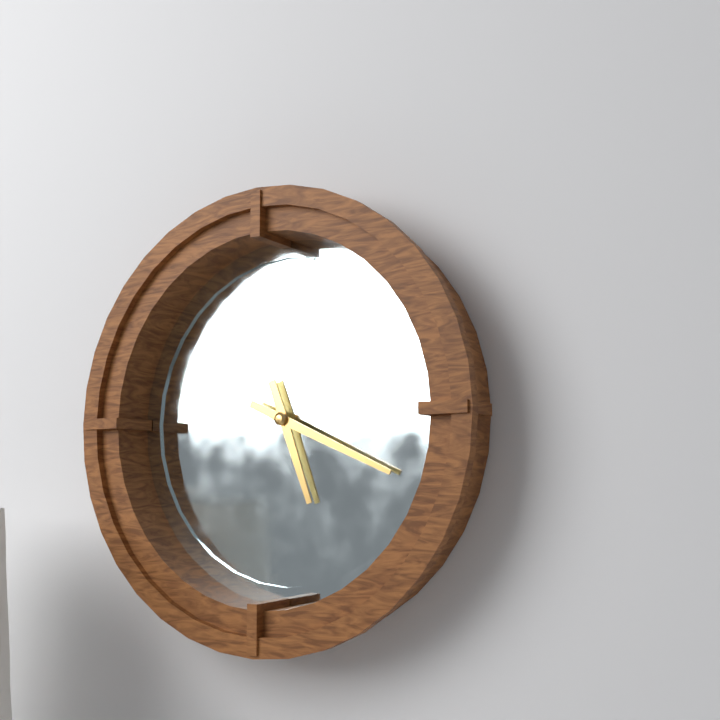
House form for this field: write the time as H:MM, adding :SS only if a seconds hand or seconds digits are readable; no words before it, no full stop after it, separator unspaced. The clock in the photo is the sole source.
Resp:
5:19
